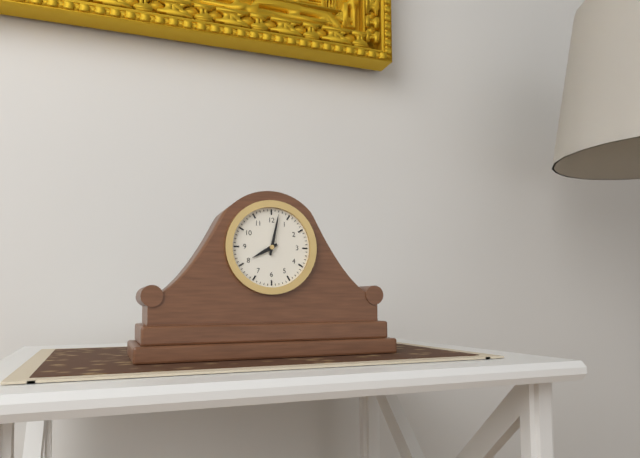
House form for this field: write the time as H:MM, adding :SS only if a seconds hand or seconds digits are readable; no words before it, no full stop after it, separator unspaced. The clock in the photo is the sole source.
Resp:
8:02
